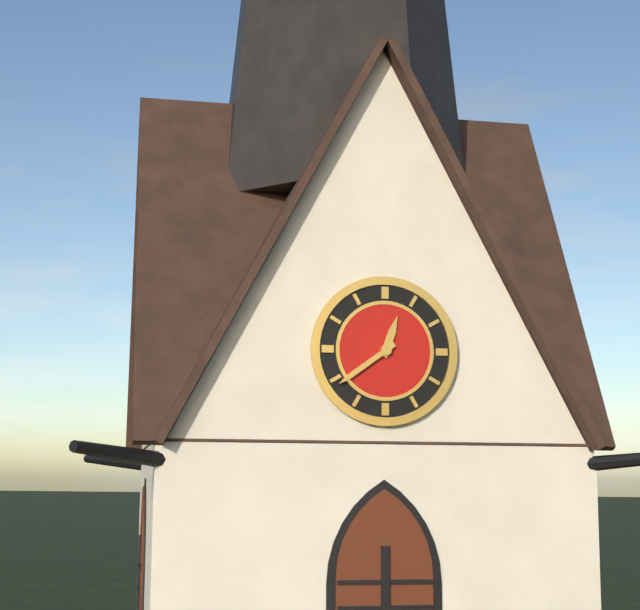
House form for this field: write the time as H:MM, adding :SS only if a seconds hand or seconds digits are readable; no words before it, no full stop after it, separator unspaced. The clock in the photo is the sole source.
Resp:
12:39
